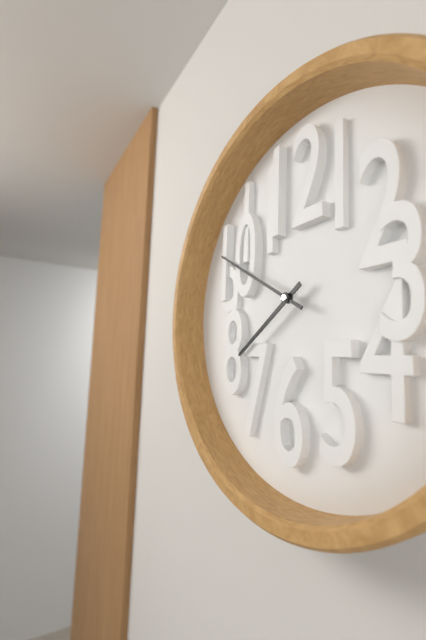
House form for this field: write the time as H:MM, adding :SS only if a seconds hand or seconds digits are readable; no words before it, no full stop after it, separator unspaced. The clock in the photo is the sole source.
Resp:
7:50
